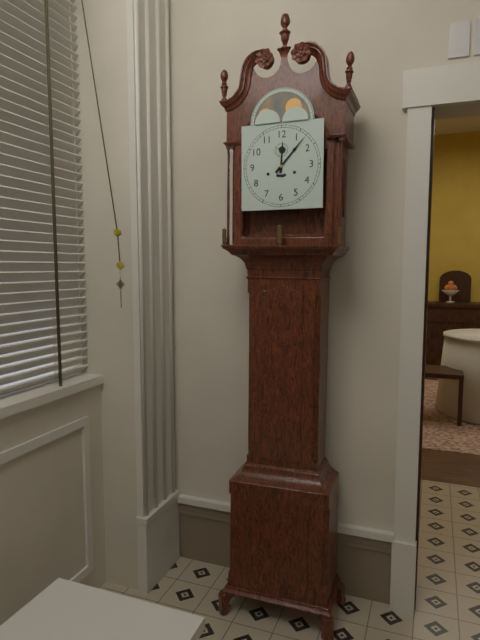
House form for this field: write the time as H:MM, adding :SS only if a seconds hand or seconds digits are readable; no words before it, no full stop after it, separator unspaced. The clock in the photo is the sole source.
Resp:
12:07
